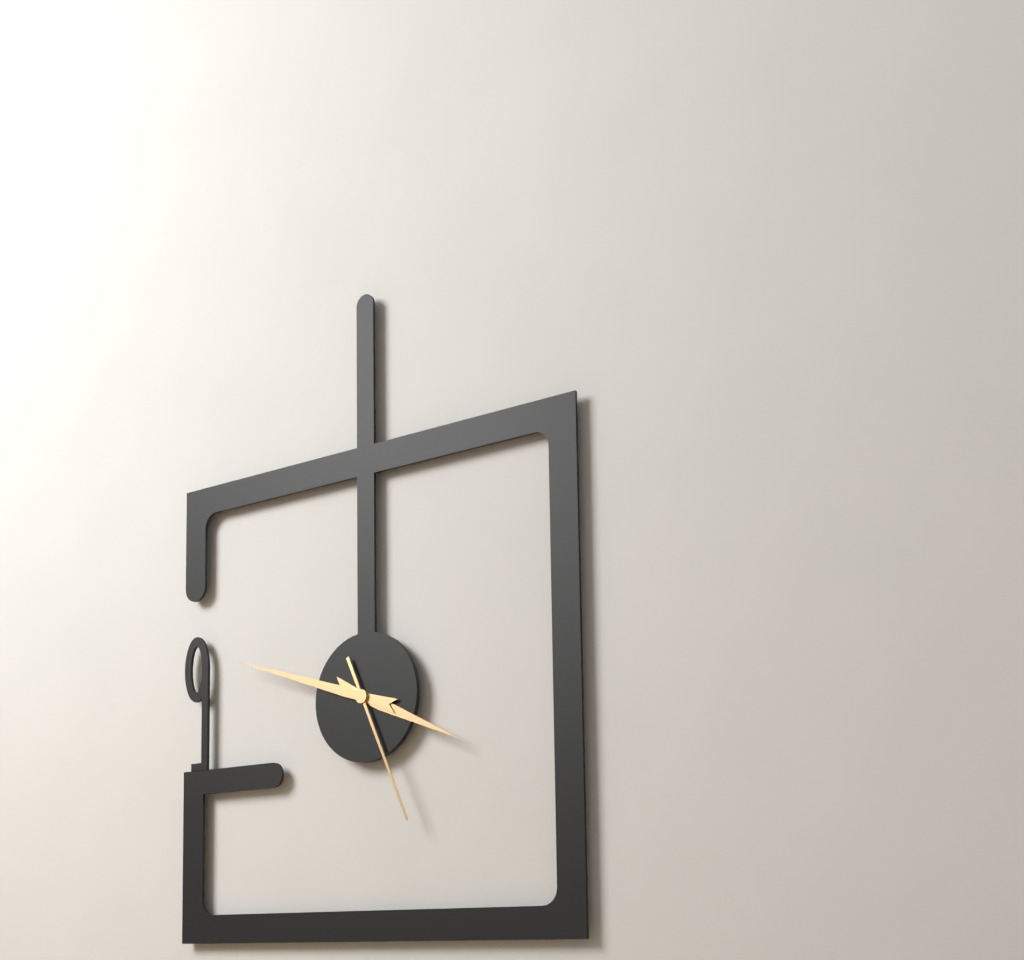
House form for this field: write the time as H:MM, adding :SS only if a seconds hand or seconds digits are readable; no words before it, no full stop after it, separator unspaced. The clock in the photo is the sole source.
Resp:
3:48:26
